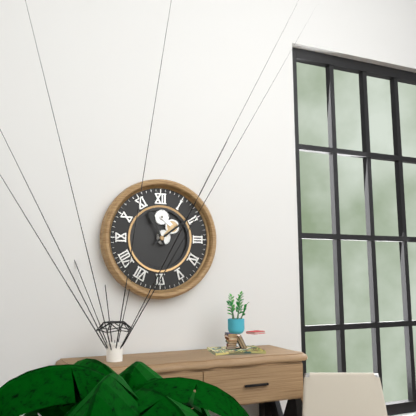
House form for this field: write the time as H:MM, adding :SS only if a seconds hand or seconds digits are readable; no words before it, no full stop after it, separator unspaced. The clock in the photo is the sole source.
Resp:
11:09
